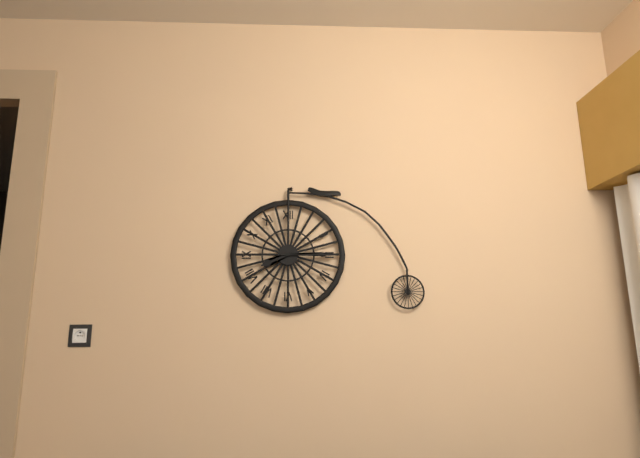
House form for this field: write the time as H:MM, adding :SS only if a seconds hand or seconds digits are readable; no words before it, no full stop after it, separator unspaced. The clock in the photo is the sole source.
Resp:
8:15
